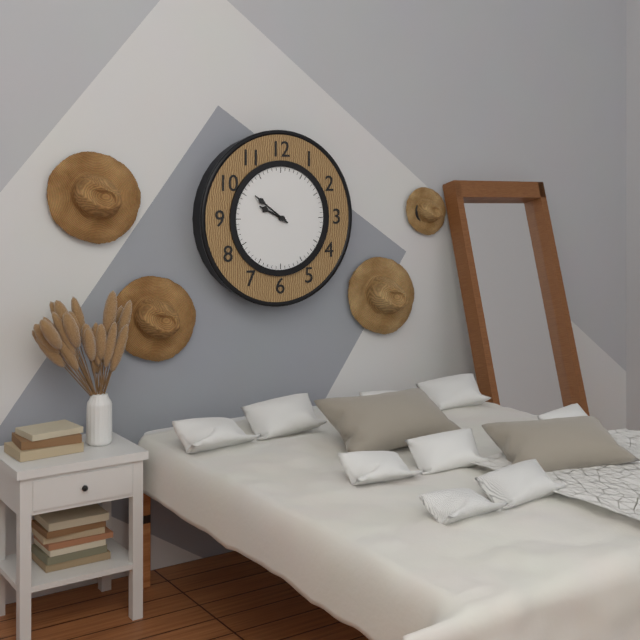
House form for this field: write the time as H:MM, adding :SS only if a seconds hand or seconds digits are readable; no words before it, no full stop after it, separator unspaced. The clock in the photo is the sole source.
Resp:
9:51
